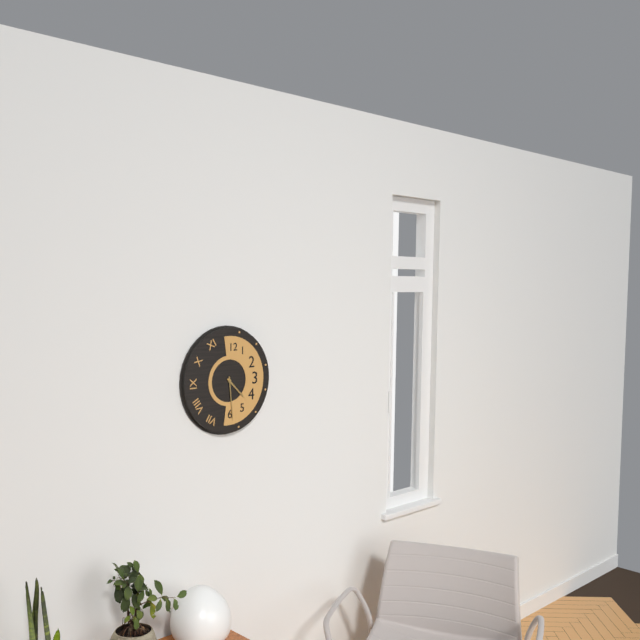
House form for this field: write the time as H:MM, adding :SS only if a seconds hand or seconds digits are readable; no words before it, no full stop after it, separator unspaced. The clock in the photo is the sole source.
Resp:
4:29
